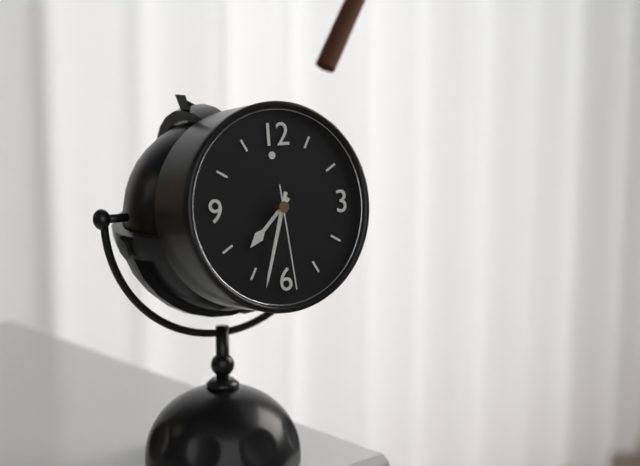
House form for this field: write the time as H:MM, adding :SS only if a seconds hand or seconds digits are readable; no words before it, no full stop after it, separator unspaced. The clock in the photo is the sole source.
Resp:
7:33:29
